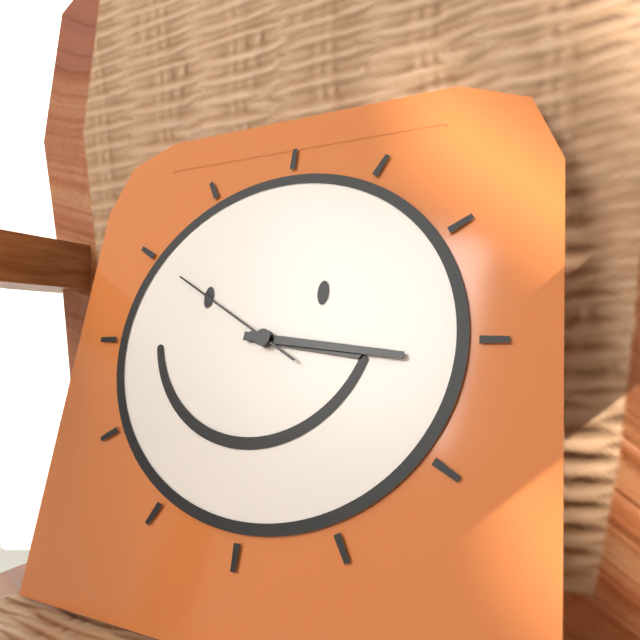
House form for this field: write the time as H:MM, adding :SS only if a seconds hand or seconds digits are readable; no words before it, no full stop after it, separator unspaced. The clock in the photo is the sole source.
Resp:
3:16:50
